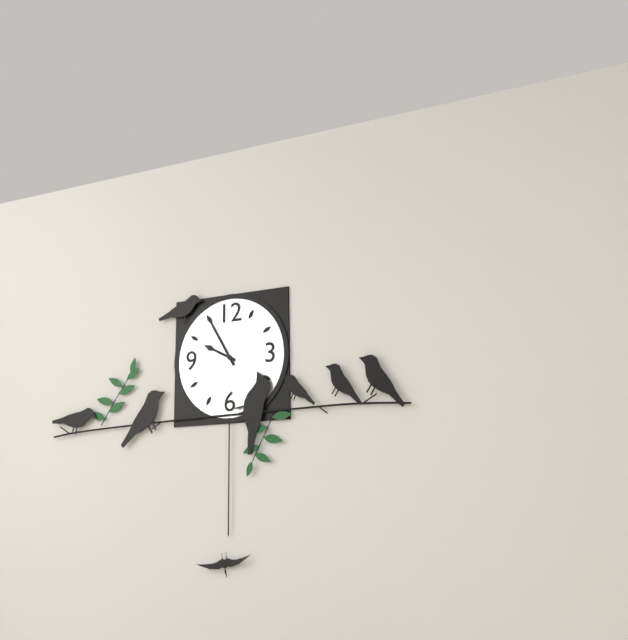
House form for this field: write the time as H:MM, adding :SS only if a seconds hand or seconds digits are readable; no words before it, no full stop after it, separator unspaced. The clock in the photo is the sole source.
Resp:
9:55
